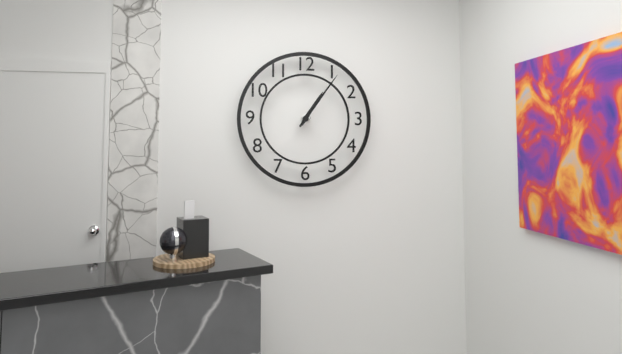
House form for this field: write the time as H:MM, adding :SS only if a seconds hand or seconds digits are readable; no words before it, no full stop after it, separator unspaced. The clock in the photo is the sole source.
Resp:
1:06
